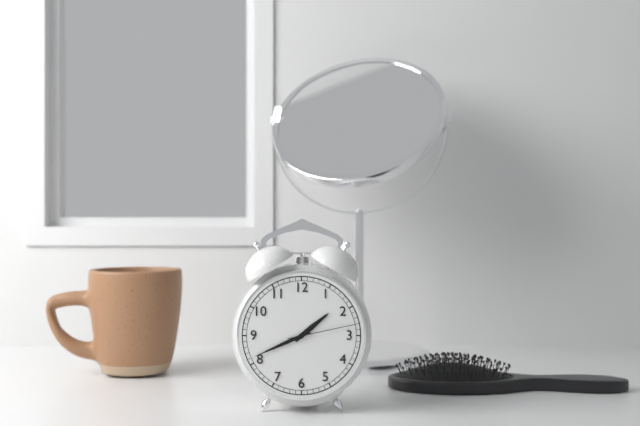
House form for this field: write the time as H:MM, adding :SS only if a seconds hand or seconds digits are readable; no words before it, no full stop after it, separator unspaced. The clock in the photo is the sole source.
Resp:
1:41:13
